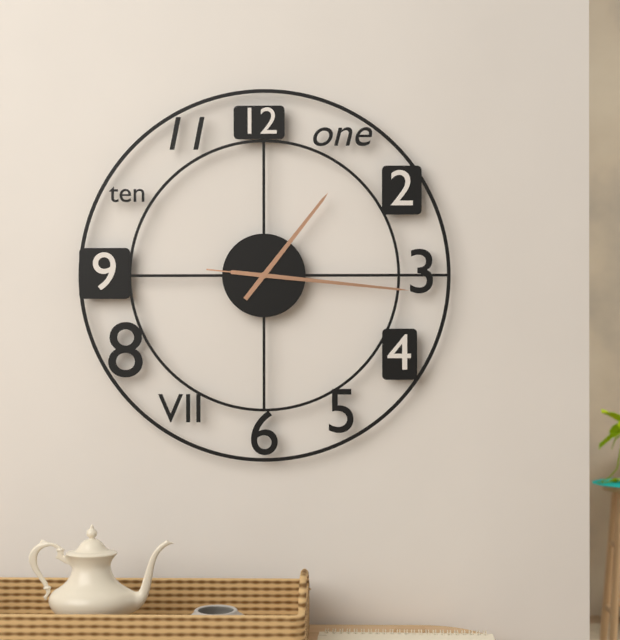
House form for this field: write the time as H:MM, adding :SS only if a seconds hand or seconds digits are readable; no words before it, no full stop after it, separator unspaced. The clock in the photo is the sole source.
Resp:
1:16:16
